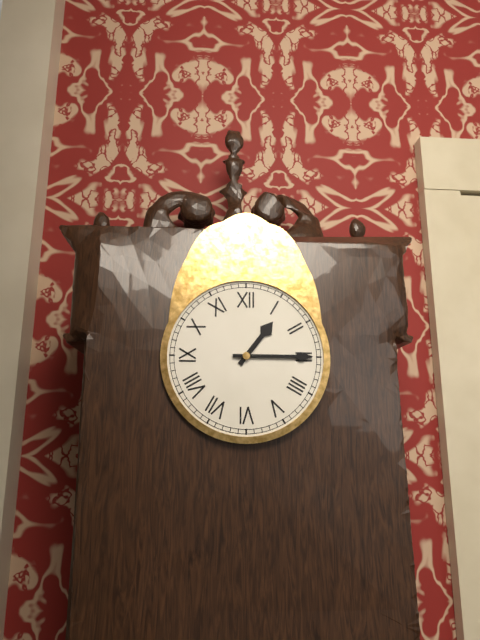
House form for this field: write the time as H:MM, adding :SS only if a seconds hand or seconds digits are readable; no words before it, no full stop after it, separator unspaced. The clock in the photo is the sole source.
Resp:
1:15
